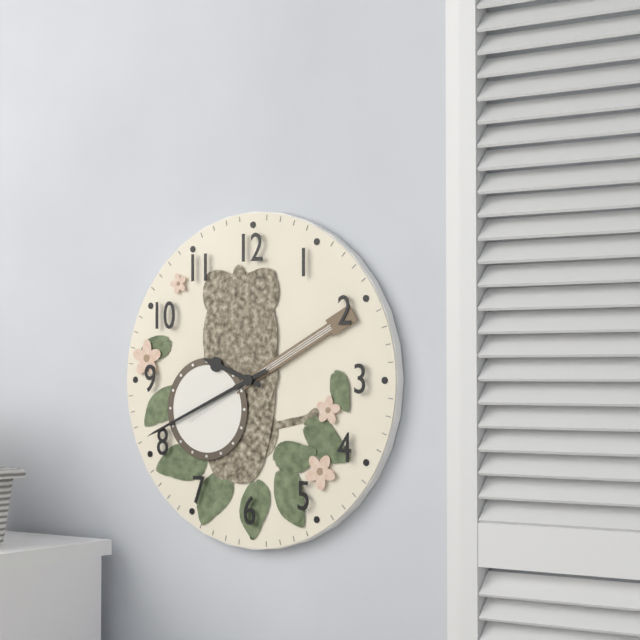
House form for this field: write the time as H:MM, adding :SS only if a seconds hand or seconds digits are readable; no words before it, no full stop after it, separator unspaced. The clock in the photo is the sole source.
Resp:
9:41
